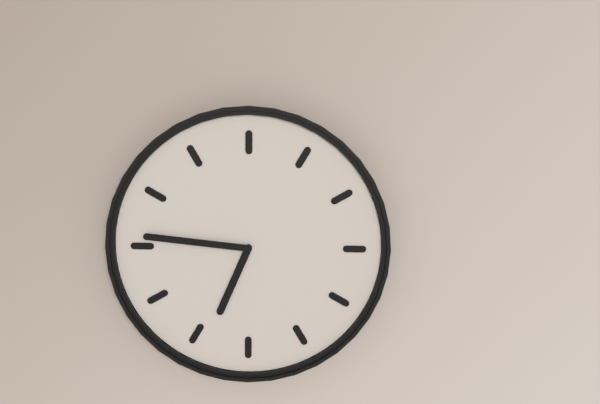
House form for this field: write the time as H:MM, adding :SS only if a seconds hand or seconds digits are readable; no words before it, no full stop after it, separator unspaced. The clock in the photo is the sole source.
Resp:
6:46
